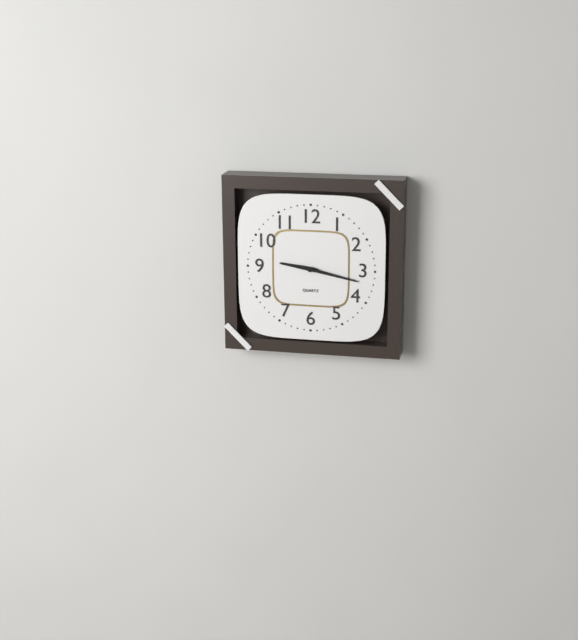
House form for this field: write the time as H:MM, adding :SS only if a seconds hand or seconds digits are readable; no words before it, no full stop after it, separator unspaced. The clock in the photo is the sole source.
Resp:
9:17
